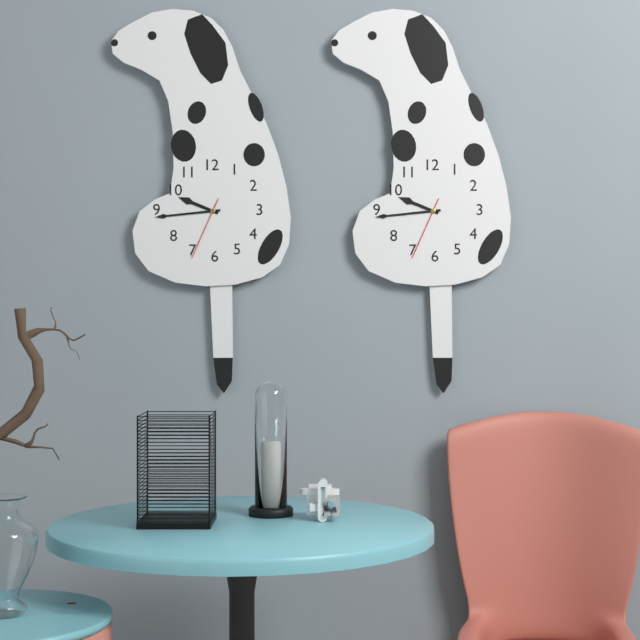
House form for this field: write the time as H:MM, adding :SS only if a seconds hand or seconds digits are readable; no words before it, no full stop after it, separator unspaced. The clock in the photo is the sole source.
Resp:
9:44:34
